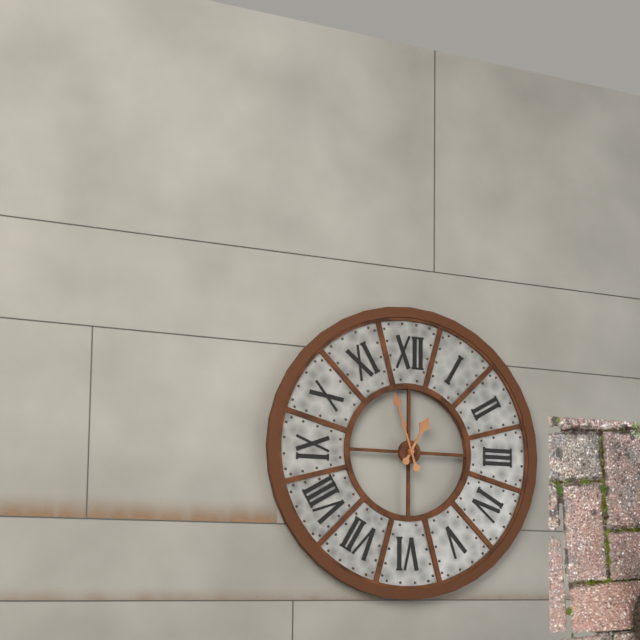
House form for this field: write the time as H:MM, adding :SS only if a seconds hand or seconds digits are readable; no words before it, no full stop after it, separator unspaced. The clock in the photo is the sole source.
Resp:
12:57
